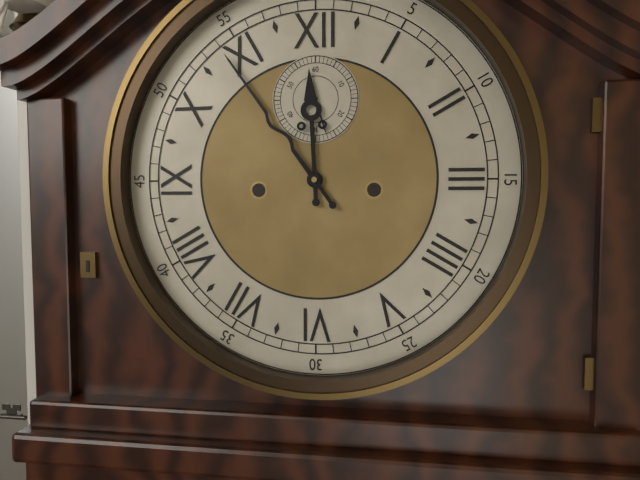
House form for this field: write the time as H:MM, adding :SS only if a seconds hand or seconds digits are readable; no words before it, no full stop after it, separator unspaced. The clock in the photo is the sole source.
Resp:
11:54
